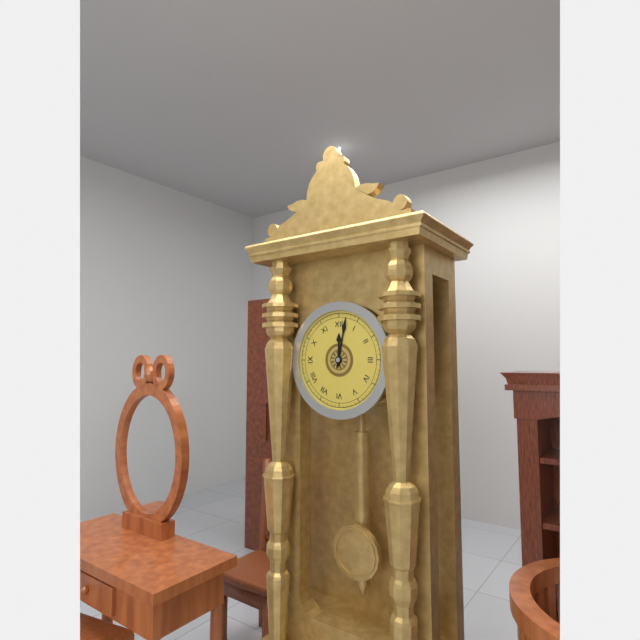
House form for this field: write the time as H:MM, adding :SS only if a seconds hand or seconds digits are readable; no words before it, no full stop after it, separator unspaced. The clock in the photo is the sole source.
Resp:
12:02
